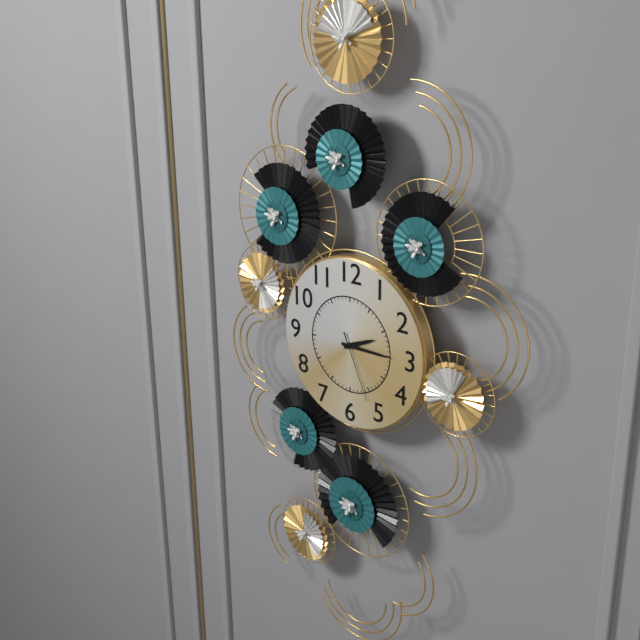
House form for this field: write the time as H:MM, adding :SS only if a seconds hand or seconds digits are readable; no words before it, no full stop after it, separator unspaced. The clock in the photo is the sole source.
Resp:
2:15:26
